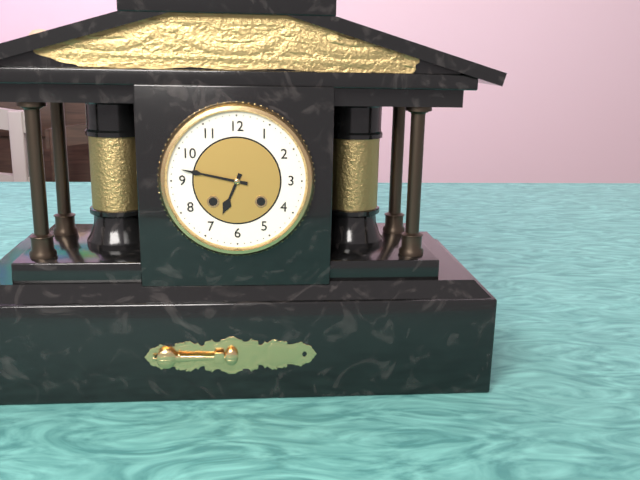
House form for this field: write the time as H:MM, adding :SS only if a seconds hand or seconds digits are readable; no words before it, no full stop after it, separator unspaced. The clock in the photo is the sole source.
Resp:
6:47
